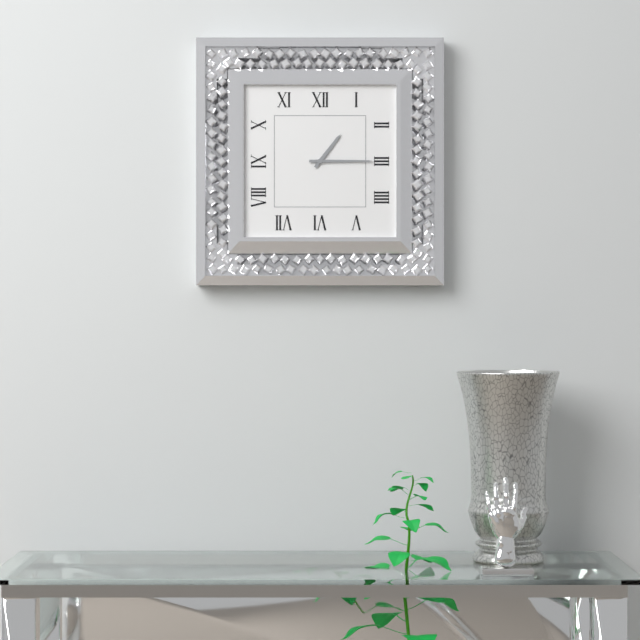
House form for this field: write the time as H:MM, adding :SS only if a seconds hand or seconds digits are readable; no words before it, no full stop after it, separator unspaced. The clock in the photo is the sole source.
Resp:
1:15
